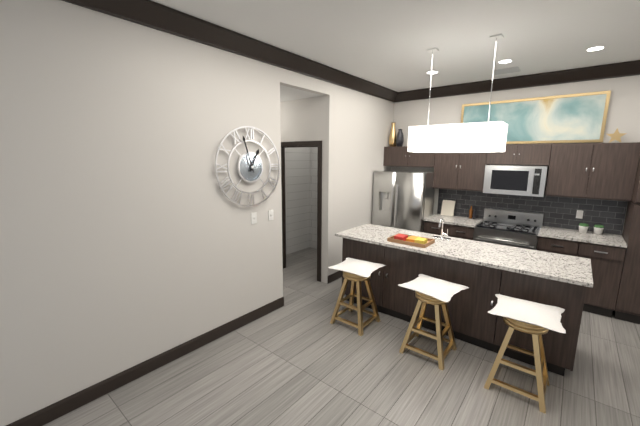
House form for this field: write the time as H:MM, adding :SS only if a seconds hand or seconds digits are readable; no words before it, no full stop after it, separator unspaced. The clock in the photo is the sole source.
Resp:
12:57
